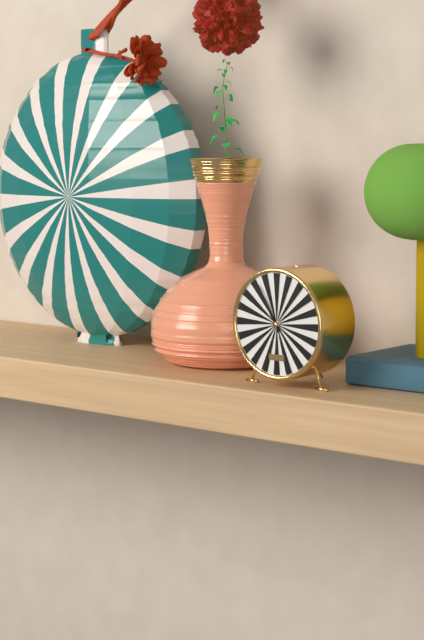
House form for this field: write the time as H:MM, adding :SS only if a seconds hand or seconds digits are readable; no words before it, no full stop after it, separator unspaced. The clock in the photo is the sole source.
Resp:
10:55
